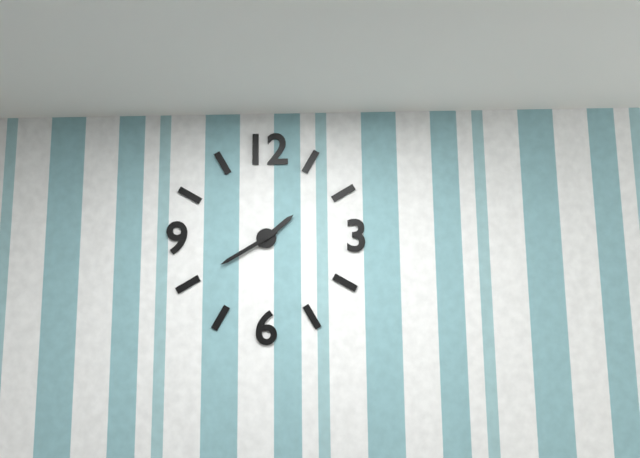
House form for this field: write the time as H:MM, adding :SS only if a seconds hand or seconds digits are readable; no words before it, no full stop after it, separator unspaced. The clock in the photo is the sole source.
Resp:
1:40
